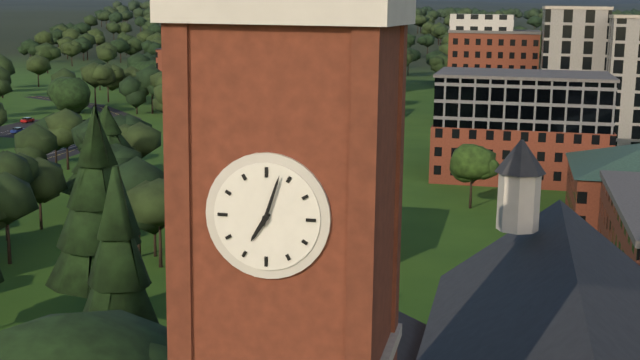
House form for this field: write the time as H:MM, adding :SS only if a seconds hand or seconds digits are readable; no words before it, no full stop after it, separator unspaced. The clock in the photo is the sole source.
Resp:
7:03
